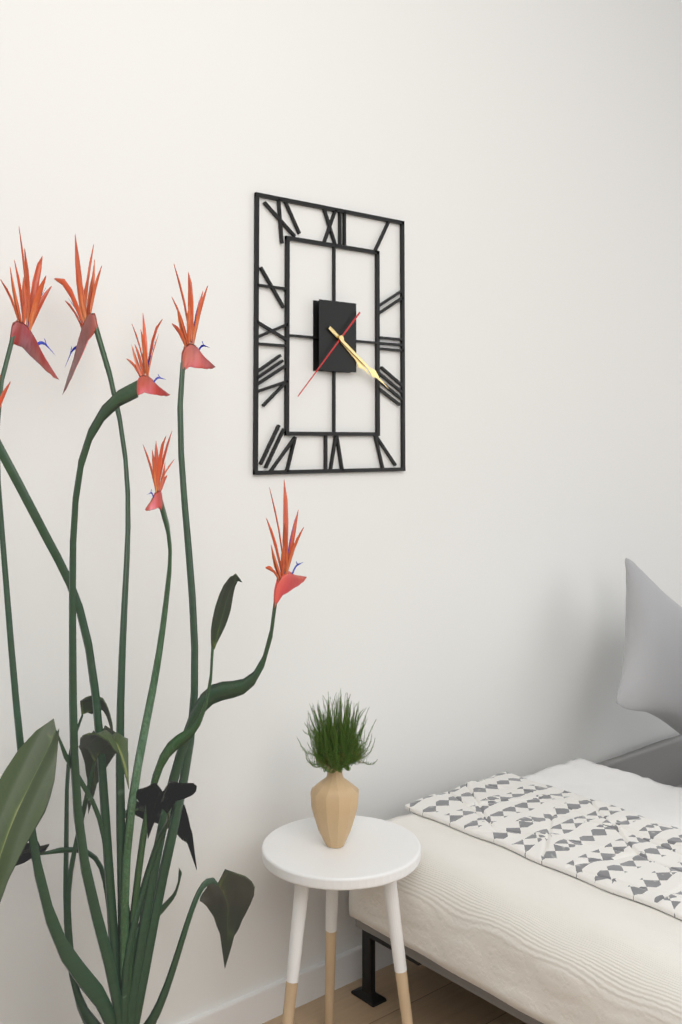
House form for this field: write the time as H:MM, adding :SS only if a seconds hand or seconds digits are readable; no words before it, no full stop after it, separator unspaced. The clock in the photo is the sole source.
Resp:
4:21:37
